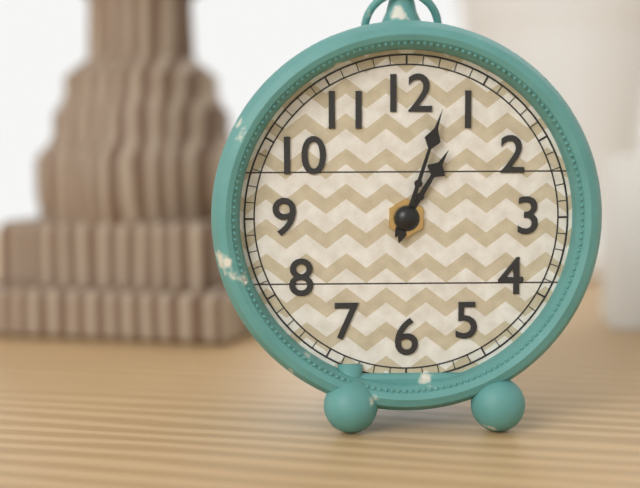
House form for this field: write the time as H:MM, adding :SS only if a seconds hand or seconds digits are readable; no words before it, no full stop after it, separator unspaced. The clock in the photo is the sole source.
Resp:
1:03
